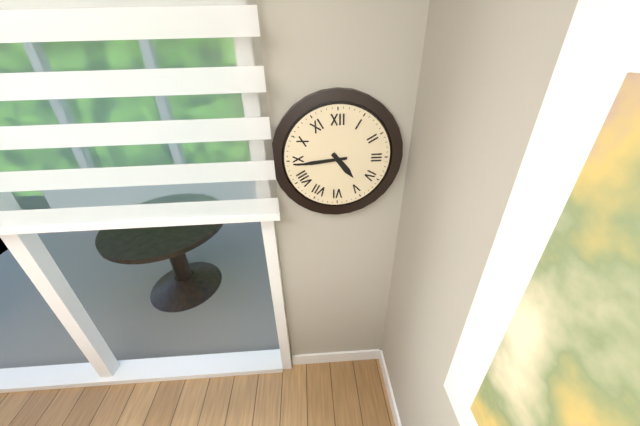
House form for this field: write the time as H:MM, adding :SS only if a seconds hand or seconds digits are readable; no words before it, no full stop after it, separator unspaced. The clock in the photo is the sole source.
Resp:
4:44
